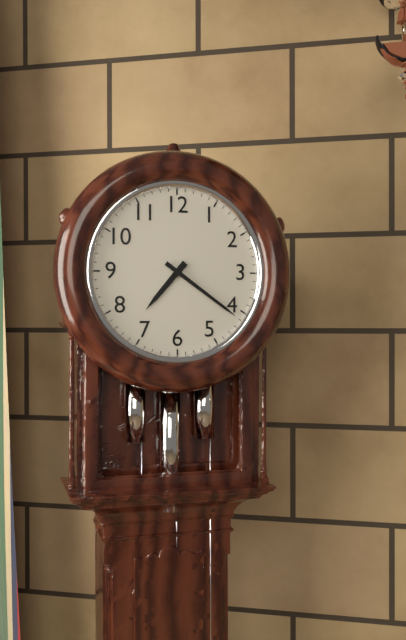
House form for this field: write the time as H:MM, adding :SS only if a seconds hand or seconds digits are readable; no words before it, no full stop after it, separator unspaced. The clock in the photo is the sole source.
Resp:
7:21
